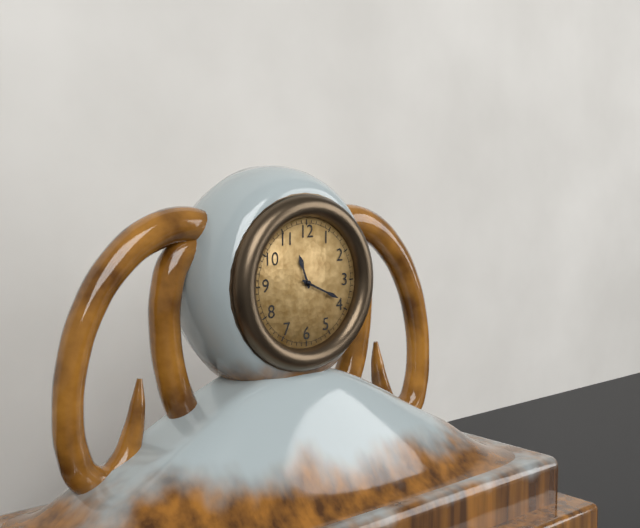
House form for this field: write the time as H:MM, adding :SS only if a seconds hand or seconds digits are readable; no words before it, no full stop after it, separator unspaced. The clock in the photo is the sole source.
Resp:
11:19
